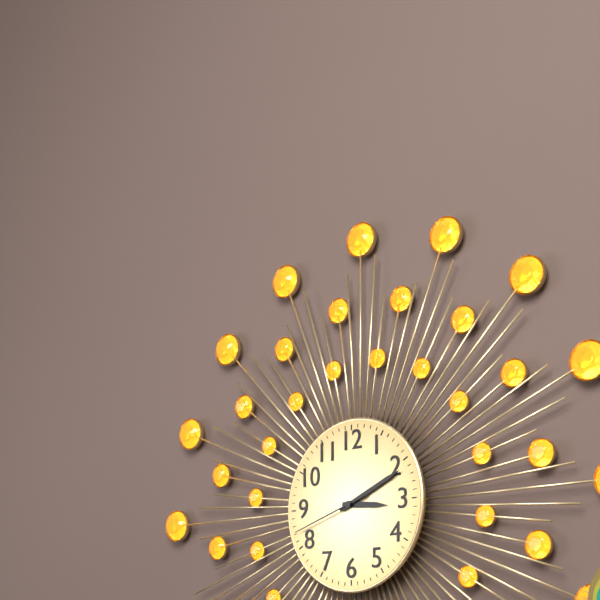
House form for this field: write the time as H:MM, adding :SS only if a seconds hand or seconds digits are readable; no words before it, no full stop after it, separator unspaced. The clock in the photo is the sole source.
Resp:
3:11:42
